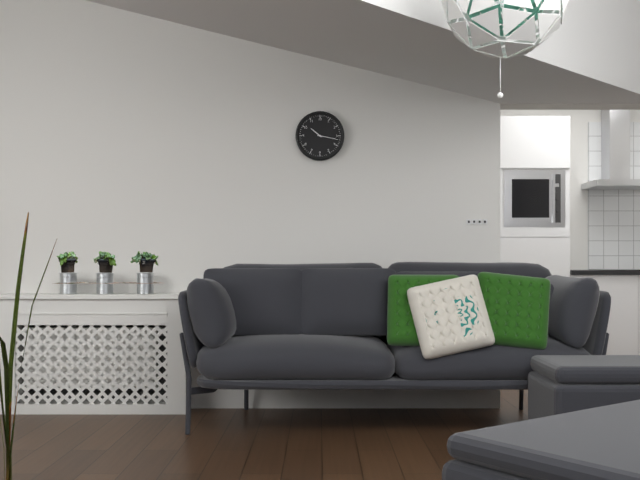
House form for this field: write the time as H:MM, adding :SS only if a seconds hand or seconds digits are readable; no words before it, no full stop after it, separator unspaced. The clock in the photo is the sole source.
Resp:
10:17
